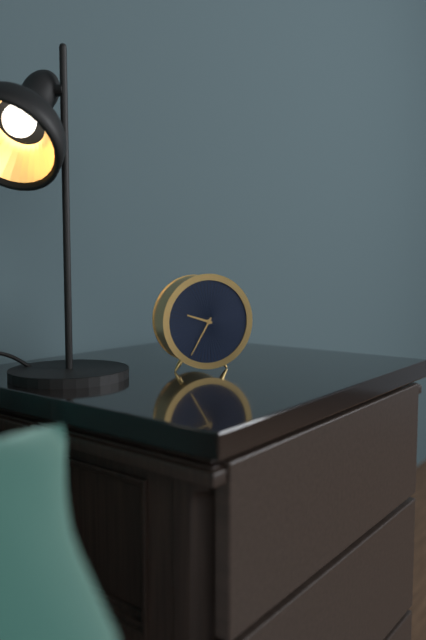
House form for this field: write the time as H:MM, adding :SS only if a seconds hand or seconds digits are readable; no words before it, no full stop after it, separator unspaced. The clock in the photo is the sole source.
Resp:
9:35
